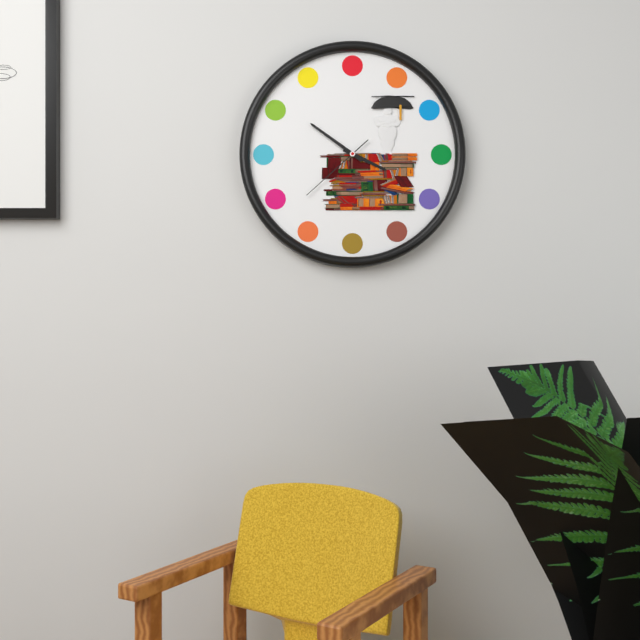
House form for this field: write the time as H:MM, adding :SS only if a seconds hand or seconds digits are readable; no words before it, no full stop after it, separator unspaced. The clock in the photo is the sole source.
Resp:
3:51:38
